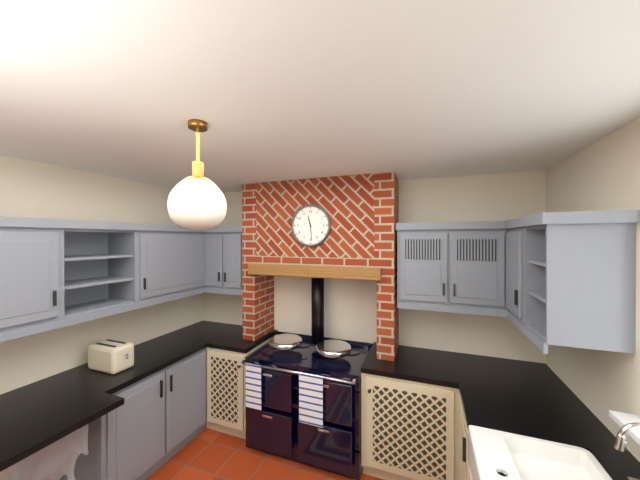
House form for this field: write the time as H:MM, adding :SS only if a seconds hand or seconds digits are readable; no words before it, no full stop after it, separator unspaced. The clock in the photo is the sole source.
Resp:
11:29
